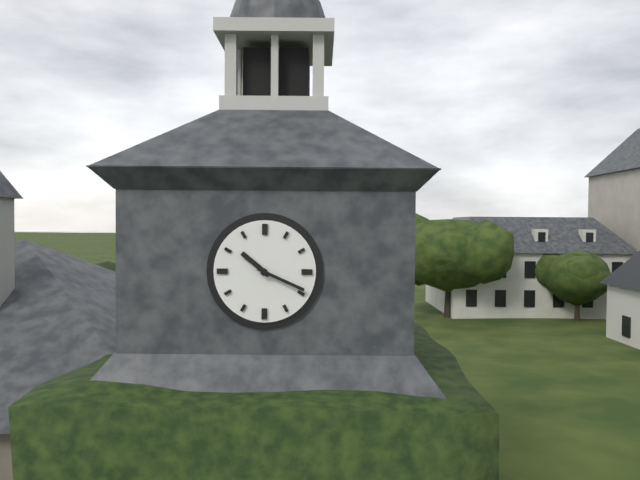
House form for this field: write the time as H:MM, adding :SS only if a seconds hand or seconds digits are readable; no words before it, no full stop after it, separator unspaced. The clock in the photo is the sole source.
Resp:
10:19
